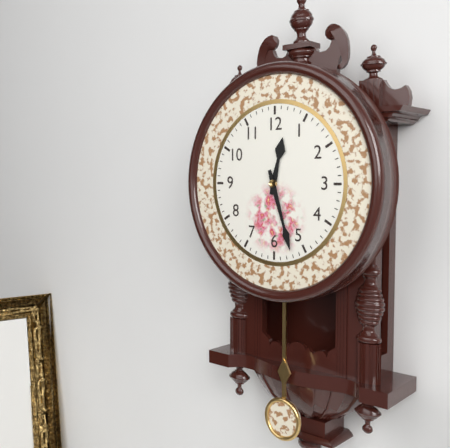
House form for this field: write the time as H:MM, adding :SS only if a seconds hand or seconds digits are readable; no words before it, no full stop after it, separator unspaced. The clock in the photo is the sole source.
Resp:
12:27
